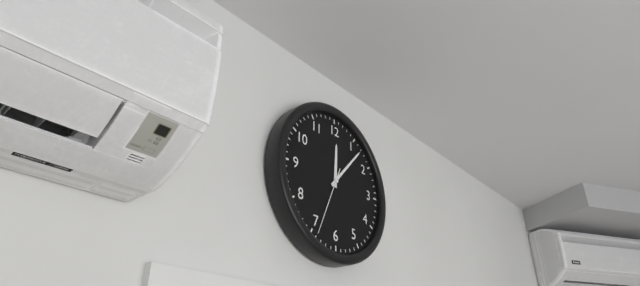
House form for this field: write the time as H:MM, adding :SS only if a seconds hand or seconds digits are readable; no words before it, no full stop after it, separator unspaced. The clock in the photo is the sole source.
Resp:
12:07:34
